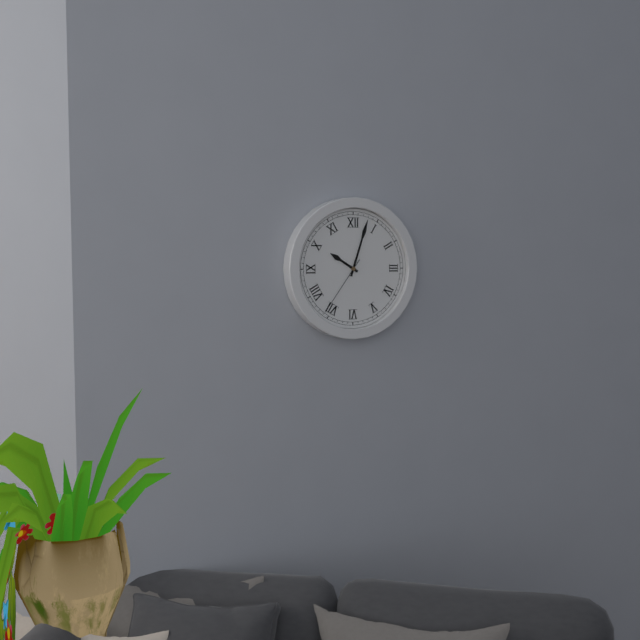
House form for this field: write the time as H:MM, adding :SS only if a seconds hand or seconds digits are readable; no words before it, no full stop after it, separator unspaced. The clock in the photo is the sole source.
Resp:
10:03:36
